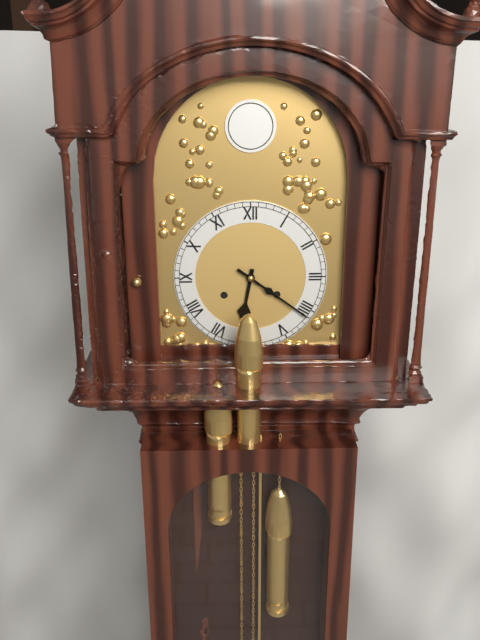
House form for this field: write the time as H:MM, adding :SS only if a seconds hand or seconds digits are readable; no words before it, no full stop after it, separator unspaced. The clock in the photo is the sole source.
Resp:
6:21
